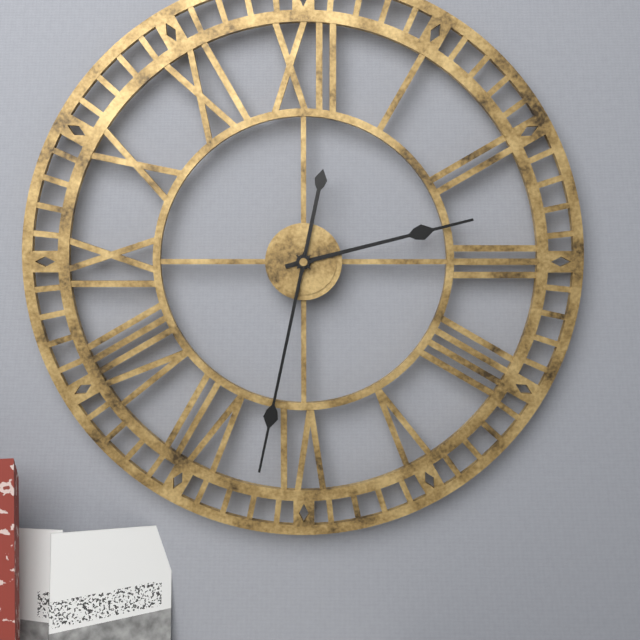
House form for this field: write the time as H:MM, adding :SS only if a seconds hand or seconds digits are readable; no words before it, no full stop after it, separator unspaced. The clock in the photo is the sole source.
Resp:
2:32
